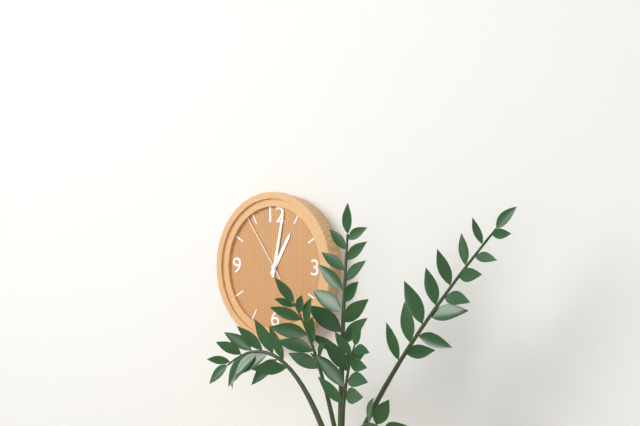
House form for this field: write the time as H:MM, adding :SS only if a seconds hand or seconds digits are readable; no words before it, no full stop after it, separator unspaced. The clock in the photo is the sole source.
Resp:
1:02:54
